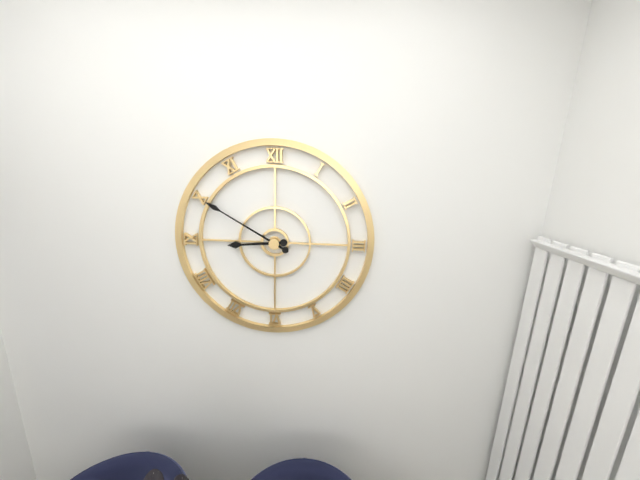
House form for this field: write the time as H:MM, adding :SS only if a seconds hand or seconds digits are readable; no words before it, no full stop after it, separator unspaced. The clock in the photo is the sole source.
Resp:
8:50
